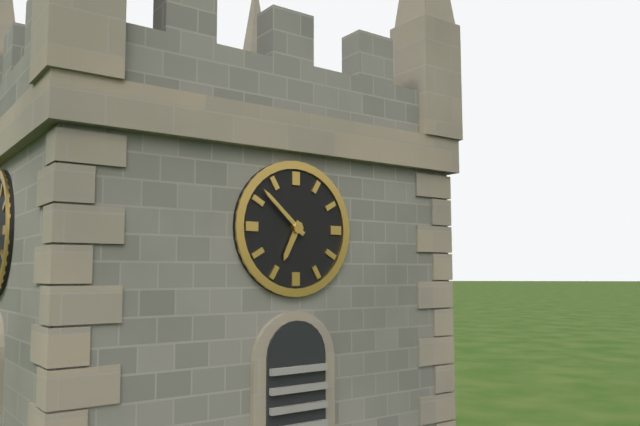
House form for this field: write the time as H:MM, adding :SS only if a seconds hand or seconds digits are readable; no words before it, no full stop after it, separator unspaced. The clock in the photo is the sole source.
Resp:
6:52
